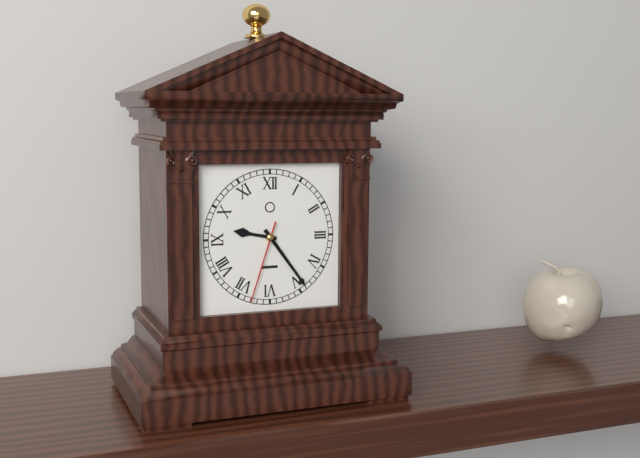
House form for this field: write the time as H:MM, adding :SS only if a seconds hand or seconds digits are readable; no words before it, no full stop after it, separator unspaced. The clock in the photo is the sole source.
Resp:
9:24:33
